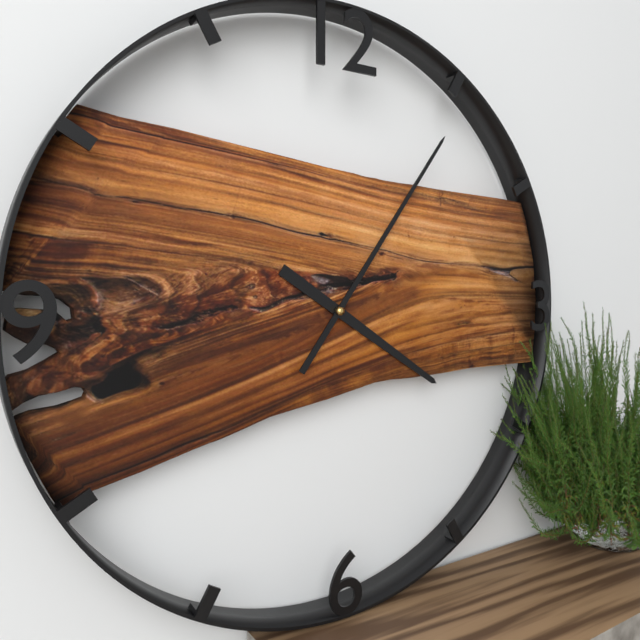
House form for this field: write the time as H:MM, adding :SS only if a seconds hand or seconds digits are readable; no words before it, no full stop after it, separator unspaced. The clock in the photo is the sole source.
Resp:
4:06
